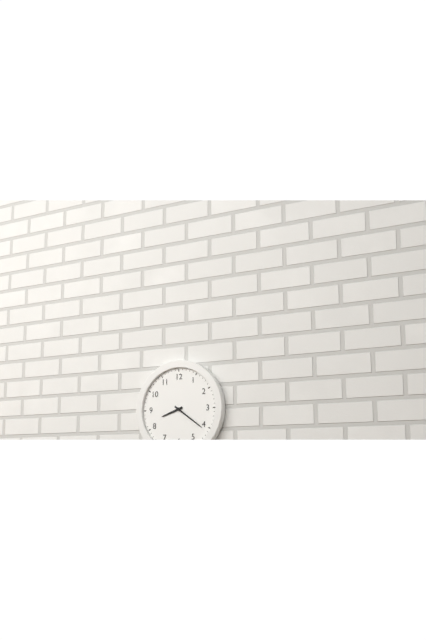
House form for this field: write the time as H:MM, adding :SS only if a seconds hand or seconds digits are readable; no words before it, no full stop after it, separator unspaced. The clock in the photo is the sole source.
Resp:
8:21
